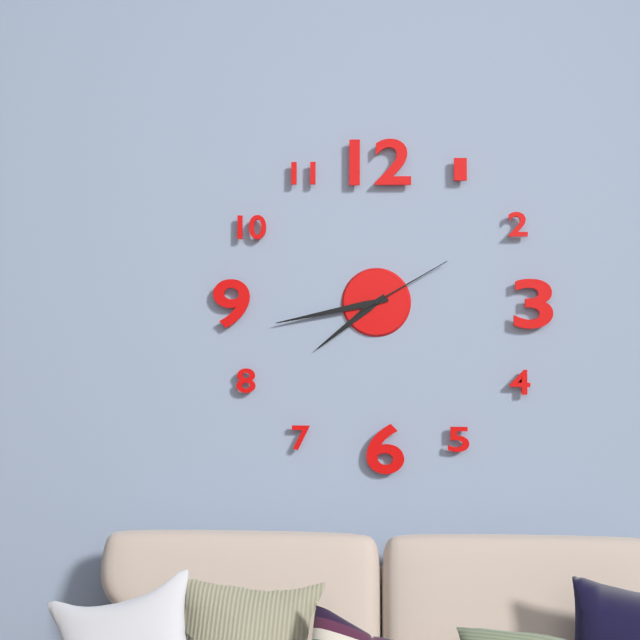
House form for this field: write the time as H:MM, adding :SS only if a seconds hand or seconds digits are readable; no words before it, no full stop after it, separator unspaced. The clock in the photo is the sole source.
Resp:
7:43:10
